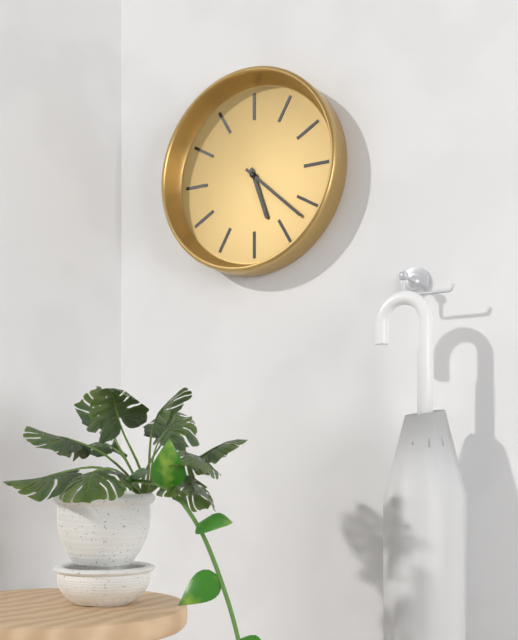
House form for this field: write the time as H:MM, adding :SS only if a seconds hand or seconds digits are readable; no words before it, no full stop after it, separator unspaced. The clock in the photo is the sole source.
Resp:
5:22
